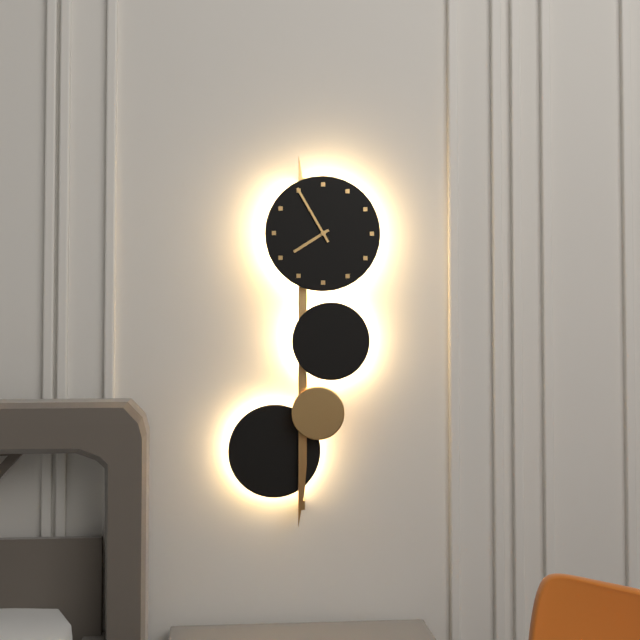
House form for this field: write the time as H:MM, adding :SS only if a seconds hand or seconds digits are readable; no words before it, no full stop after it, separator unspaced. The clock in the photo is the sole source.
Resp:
7:55
